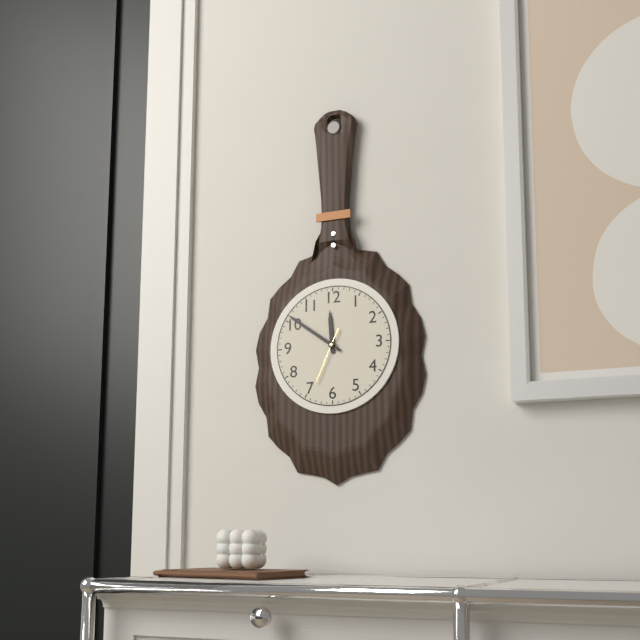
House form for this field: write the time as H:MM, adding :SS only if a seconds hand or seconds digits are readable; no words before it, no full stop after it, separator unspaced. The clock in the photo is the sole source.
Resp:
11:51:34
